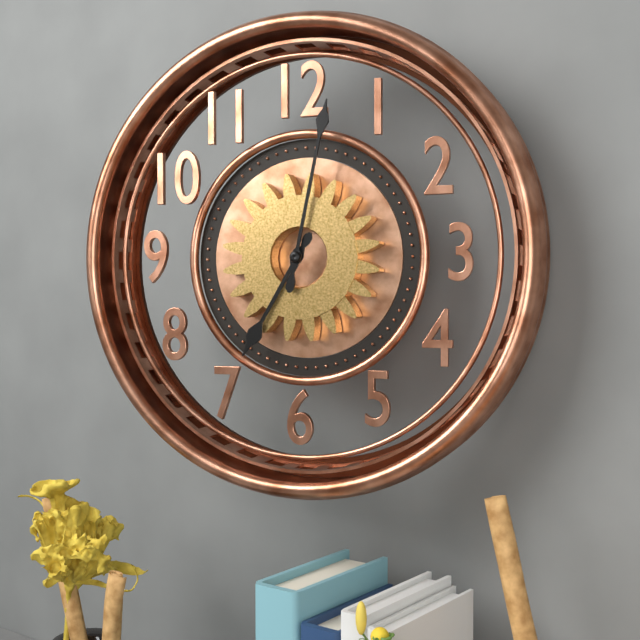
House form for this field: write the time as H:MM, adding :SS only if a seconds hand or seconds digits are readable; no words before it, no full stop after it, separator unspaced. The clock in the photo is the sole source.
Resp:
7:02
